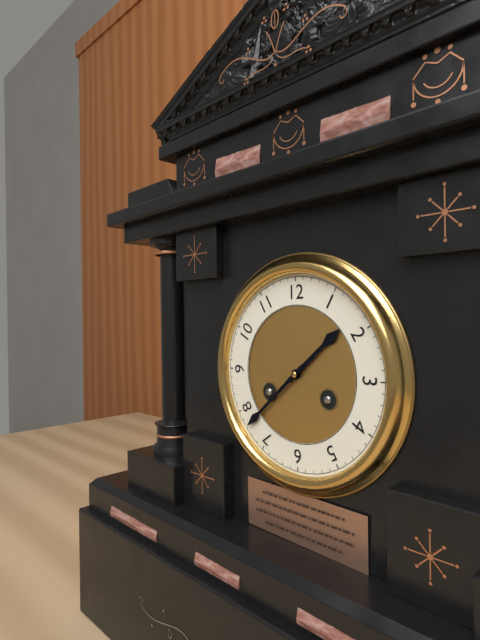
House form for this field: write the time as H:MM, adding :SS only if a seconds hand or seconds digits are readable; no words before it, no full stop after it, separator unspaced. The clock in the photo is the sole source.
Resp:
1:38
